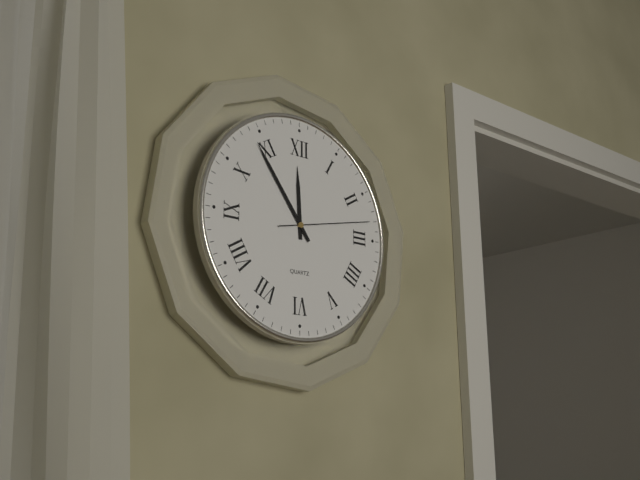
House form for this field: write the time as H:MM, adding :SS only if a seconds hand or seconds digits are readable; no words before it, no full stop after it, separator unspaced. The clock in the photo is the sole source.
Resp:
11:54:13
